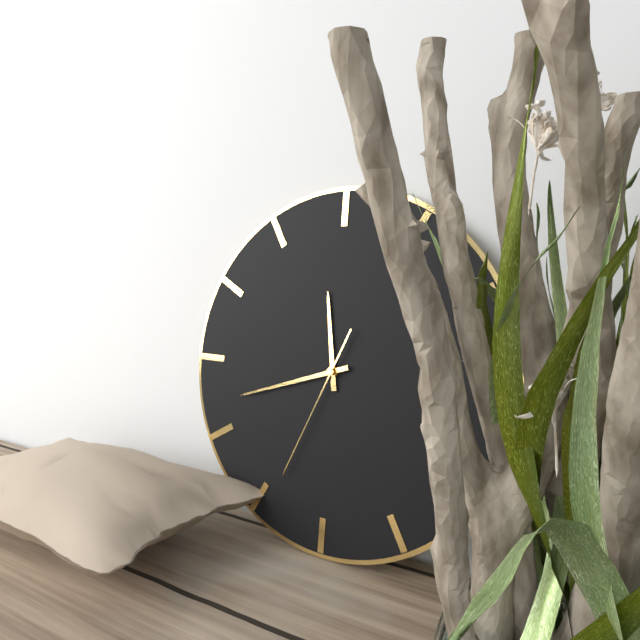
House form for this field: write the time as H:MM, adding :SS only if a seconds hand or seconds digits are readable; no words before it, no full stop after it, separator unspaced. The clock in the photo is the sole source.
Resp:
11:42:34
